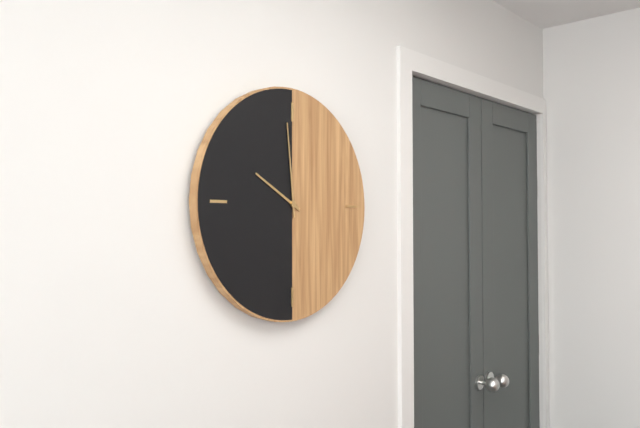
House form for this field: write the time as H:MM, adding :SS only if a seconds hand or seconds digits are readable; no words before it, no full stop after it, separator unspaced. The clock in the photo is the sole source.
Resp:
9:59
